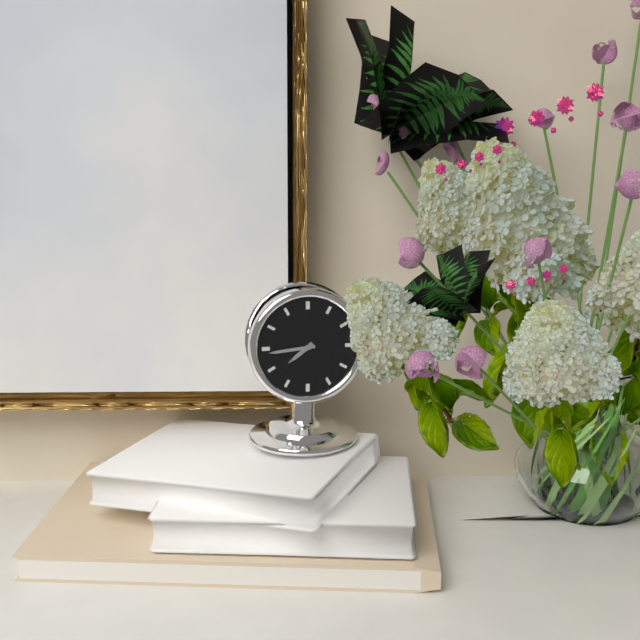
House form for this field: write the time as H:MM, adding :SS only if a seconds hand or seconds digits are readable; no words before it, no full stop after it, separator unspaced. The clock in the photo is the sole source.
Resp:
7:44
